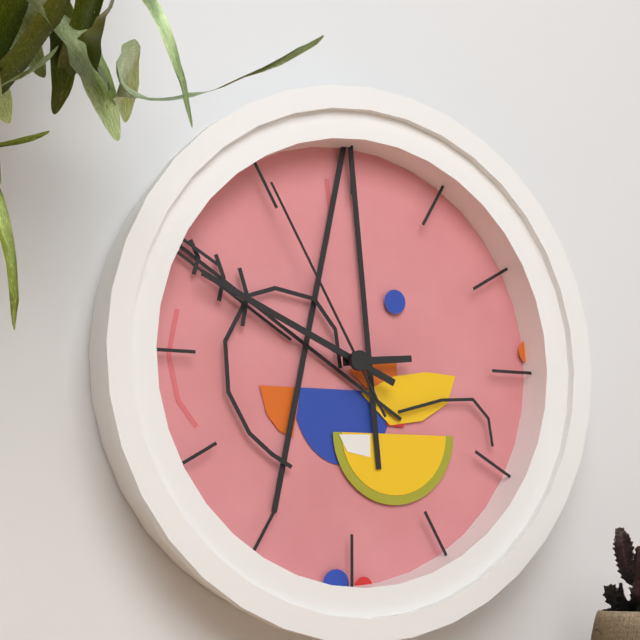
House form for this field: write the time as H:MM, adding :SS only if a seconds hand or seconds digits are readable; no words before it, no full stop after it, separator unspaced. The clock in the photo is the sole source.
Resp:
2:49:55
